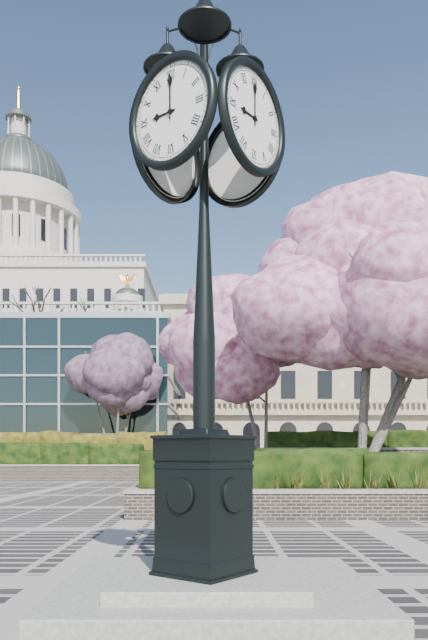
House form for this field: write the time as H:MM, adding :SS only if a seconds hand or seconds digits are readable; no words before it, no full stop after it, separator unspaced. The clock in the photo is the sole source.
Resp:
9:00
